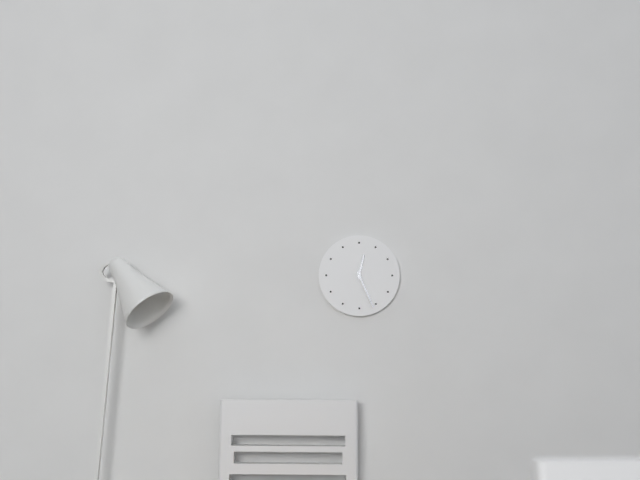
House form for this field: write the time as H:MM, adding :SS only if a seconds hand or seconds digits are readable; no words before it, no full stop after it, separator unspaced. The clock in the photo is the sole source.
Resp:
12:26
